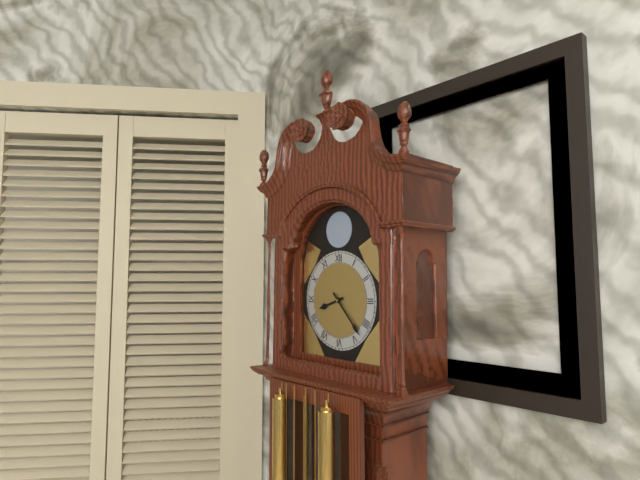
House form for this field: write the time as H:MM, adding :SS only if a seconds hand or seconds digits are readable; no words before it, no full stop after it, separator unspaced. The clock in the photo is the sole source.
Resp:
8:23
